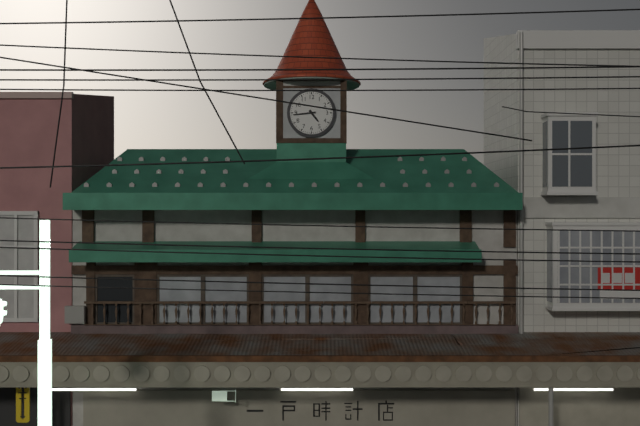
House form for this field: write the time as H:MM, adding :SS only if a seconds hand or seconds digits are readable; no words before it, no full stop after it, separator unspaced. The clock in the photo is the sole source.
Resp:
4:44
